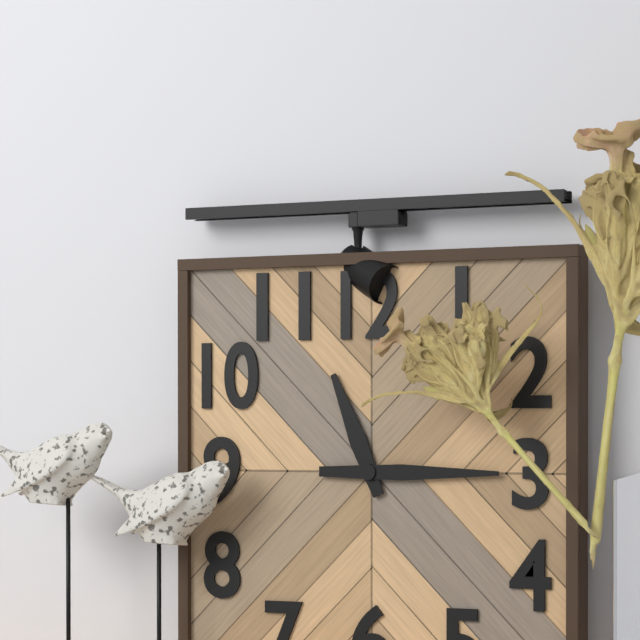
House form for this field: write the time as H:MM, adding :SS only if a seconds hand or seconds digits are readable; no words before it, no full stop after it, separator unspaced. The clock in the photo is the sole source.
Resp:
11:15
